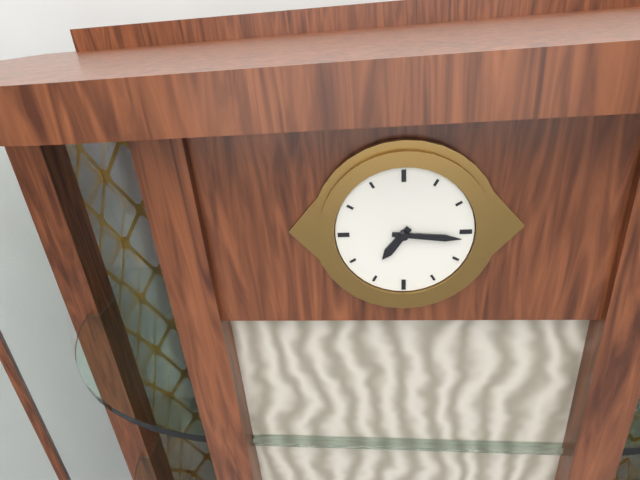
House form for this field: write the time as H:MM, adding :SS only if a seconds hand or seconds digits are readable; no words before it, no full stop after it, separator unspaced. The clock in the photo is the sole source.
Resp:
7:16
